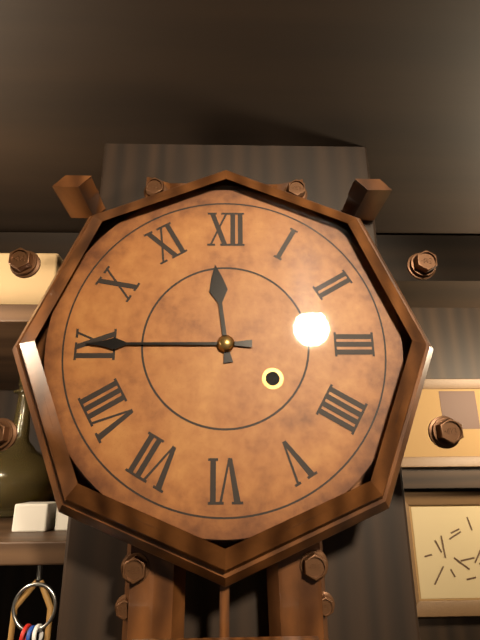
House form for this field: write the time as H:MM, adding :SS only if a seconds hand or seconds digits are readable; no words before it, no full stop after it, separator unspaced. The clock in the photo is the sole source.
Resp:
11:45
